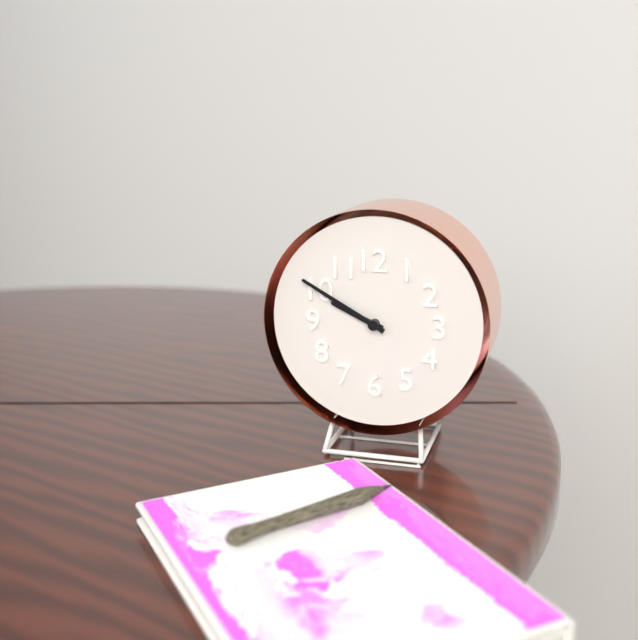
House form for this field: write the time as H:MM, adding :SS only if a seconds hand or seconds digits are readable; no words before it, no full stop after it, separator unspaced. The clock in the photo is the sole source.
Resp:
9:50
